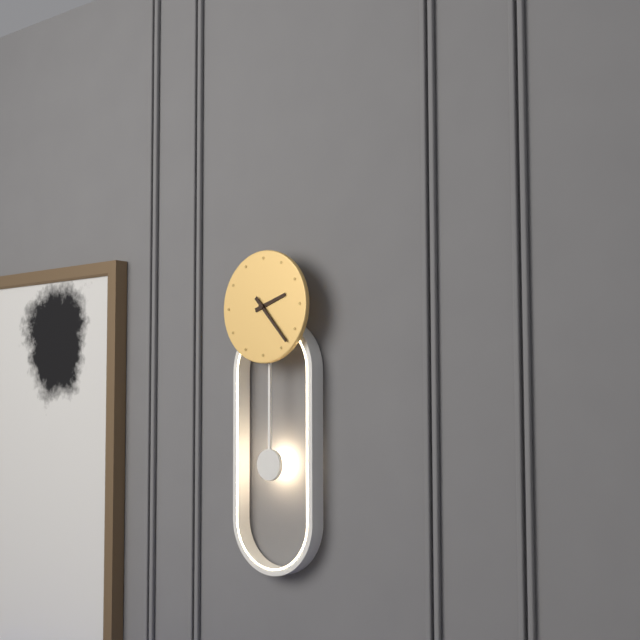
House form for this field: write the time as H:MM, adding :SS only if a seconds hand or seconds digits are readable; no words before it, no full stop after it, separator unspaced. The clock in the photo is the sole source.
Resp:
2:23
